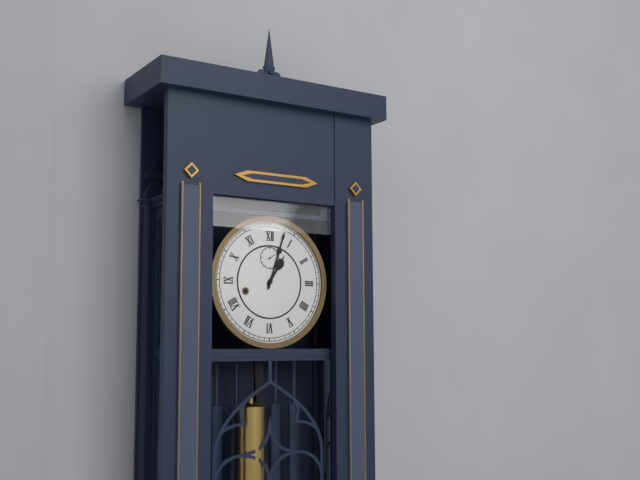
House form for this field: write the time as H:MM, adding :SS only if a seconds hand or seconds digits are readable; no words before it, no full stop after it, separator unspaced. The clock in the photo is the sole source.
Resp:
1:03
